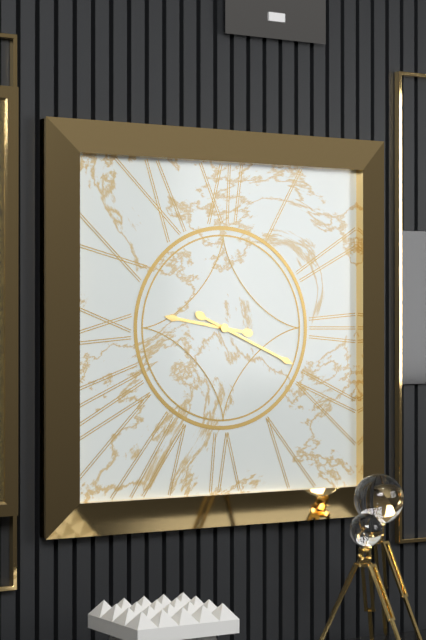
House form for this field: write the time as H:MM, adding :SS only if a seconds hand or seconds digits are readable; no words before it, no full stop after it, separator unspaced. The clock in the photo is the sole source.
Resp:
9:19
